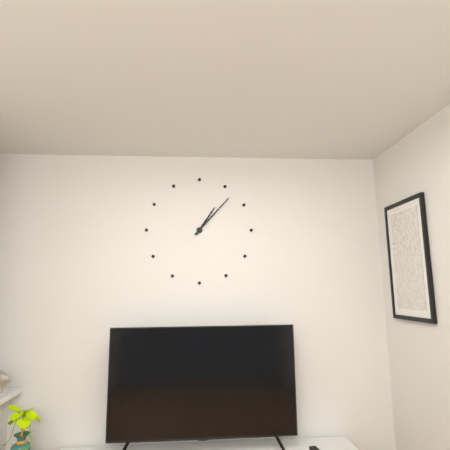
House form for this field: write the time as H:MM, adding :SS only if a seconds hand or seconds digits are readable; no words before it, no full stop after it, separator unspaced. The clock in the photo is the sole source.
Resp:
1:07
